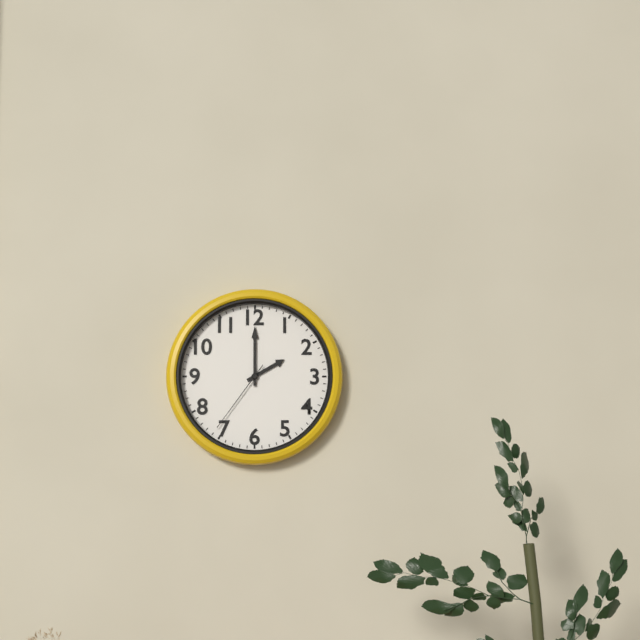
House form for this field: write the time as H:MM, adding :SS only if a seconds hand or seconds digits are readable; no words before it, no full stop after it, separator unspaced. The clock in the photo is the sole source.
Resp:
2:00:36
